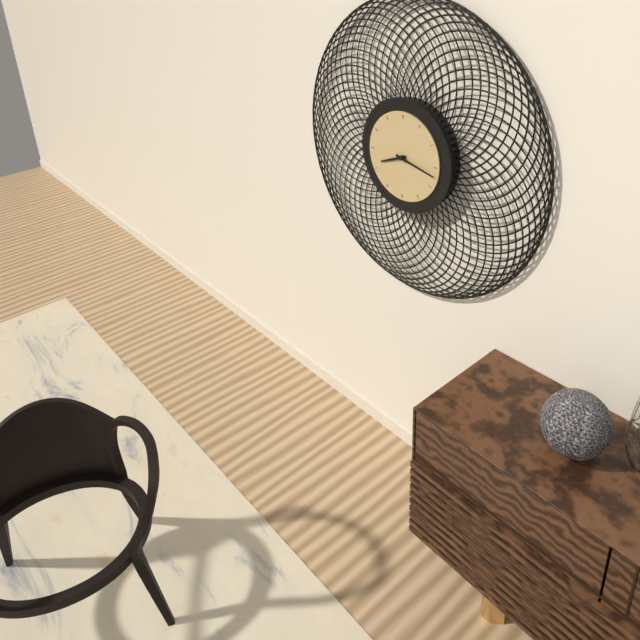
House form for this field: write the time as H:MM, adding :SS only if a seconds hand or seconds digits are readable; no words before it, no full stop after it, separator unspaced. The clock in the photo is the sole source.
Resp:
8:17
